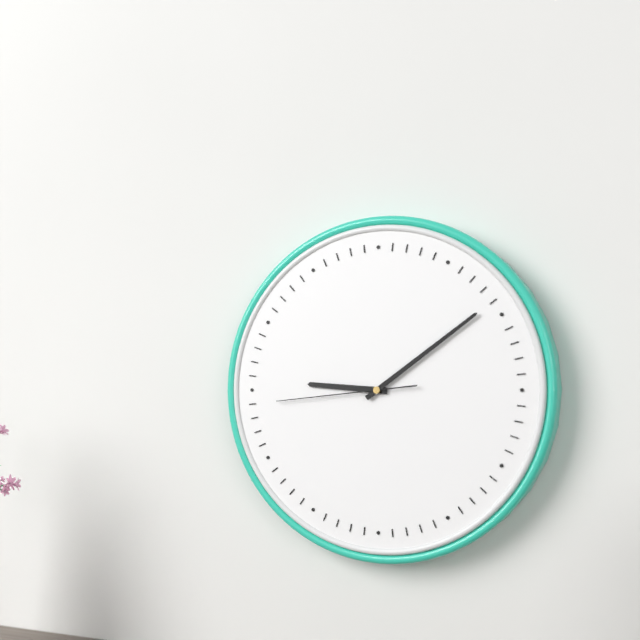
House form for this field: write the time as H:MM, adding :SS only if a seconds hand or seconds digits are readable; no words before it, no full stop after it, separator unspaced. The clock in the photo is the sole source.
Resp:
9:09:44
